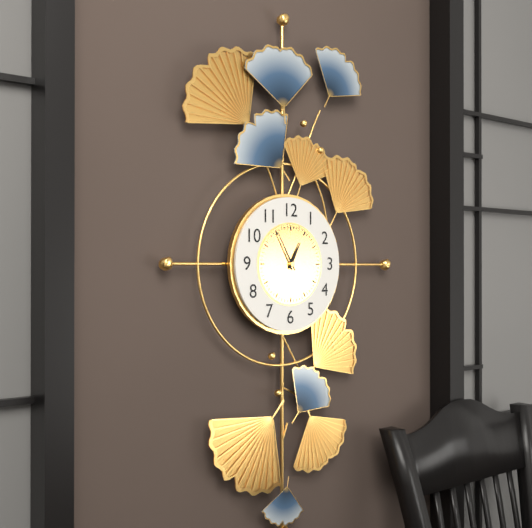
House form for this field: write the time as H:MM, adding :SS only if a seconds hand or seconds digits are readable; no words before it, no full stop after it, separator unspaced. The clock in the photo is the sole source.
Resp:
12:55
